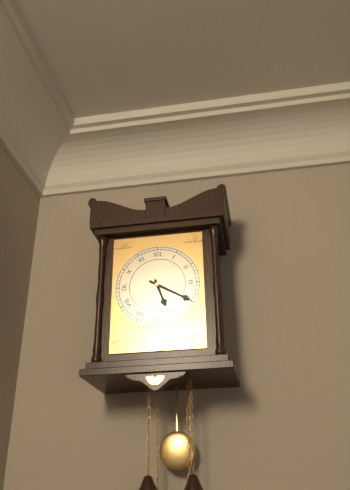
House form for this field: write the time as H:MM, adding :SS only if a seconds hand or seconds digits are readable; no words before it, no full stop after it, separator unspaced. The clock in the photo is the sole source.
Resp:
5:20
